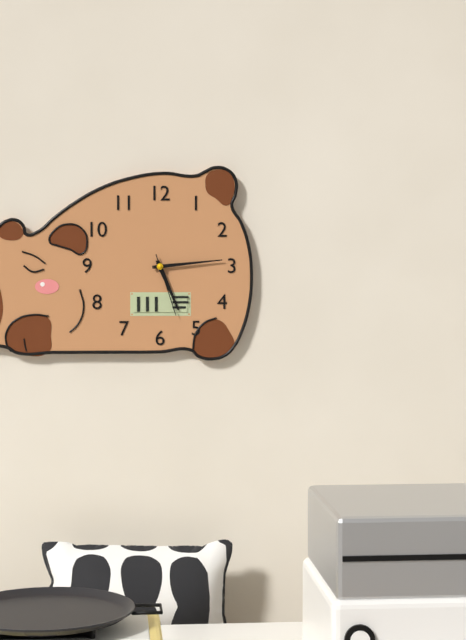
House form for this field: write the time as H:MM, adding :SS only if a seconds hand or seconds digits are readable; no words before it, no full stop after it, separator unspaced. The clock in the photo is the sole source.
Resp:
5:14:27
